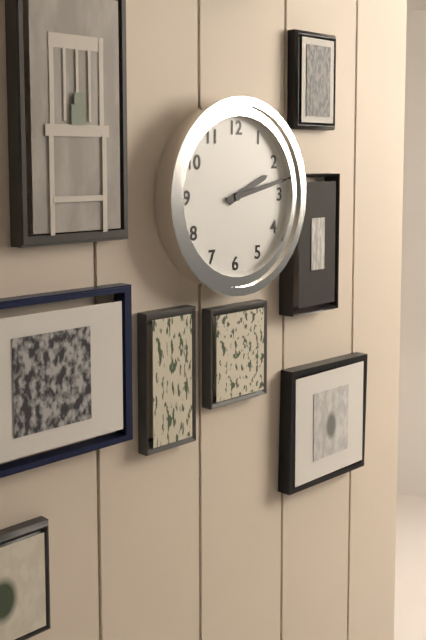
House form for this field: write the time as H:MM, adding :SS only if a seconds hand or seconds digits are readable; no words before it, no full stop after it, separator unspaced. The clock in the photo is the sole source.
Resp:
2:13
